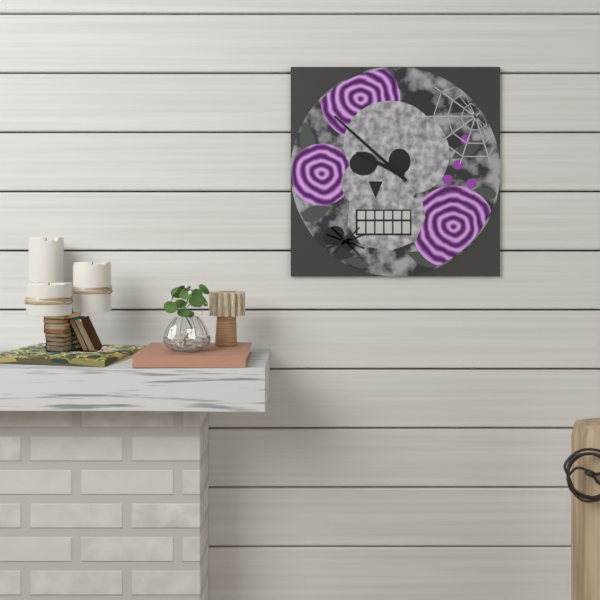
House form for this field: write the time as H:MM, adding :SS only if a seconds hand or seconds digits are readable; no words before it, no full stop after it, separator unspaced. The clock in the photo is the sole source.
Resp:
9:52
